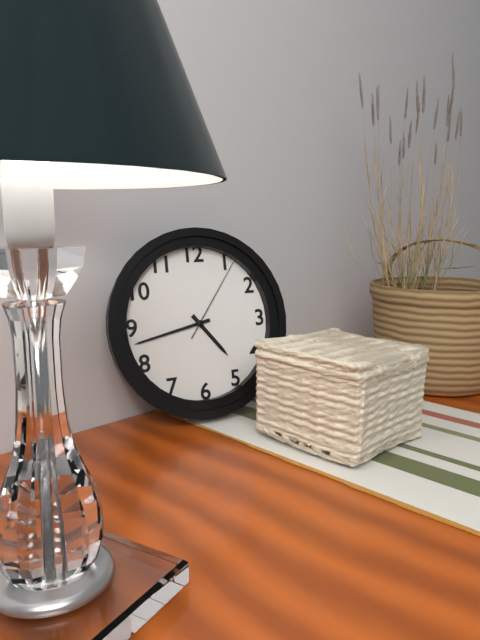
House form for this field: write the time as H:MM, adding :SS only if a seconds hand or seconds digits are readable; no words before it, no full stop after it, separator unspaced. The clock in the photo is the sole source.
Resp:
4:43:06
